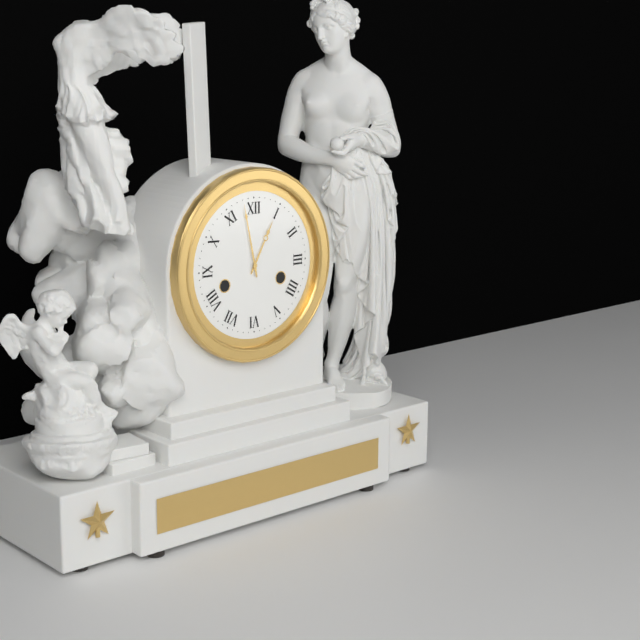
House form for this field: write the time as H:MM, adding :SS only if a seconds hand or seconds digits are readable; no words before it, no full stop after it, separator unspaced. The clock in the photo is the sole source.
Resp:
12:58
